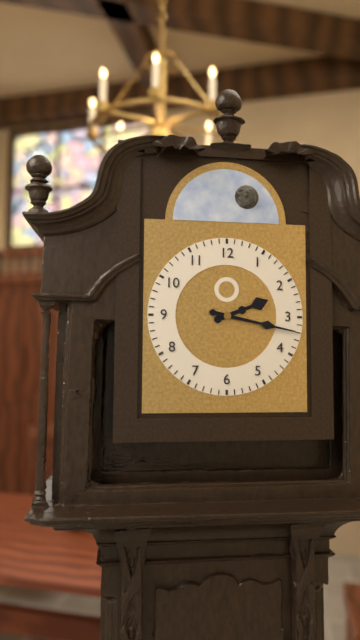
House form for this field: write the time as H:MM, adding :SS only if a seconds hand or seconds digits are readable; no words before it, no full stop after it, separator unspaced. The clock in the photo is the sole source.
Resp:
2:17
